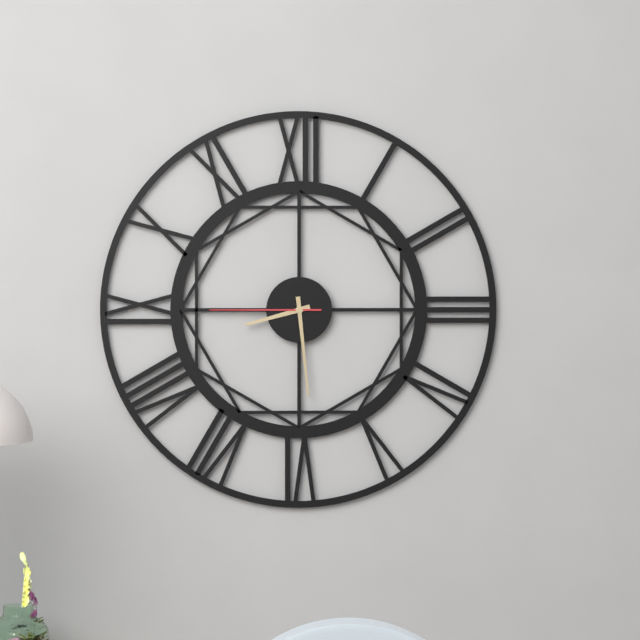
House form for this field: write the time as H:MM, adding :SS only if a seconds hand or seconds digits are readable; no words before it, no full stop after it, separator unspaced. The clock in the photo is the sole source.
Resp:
8:29:45
